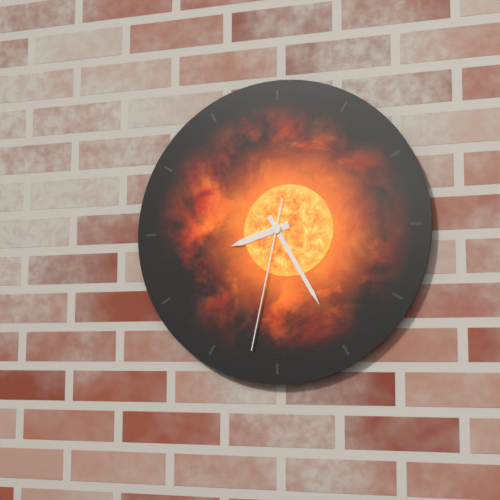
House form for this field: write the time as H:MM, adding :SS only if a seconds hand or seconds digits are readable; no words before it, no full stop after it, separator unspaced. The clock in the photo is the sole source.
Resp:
8:25:32
